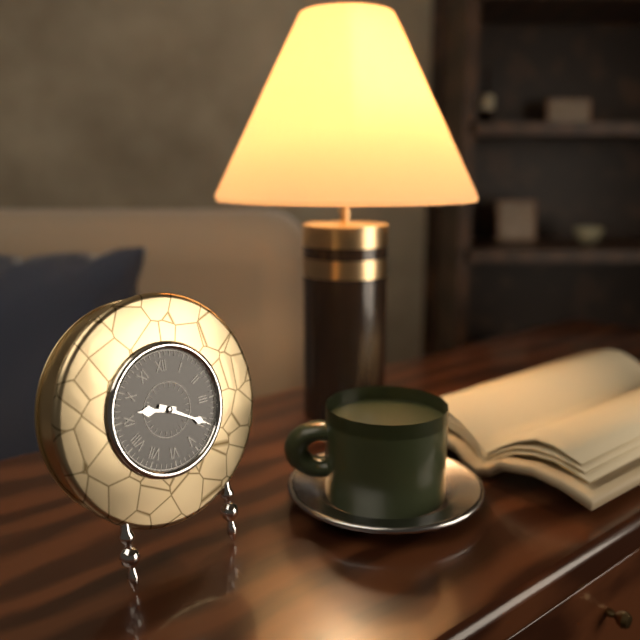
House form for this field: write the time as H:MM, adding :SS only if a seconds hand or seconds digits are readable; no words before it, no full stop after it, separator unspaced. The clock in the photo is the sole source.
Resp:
9:20
